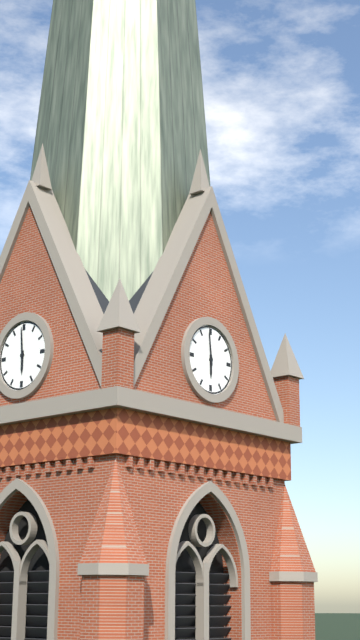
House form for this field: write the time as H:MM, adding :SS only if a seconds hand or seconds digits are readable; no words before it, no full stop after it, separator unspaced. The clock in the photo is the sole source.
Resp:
5:59
